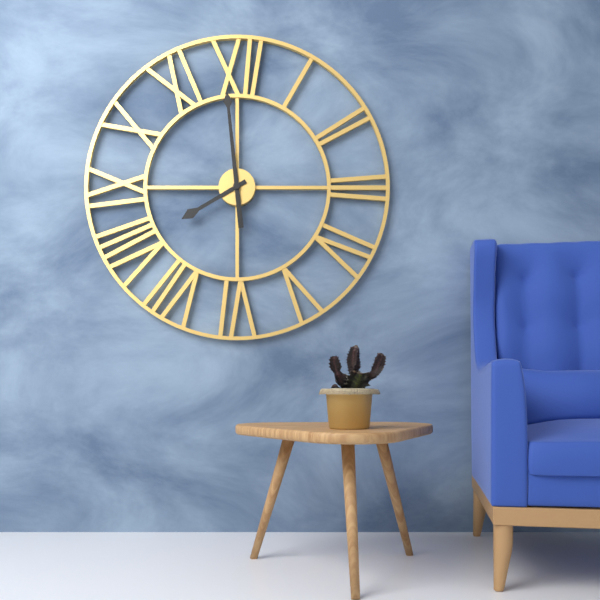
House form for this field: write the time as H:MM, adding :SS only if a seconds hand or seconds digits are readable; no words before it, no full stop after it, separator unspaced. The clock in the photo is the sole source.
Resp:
7:59
